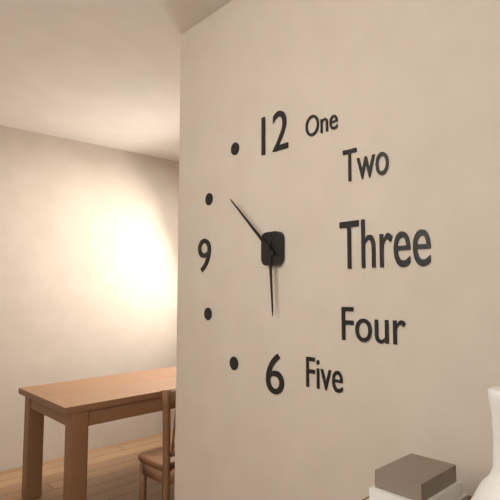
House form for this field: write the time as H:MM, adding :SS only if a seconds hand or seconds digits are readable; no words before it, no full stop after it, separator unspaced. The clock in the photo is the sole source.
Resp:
5:52
